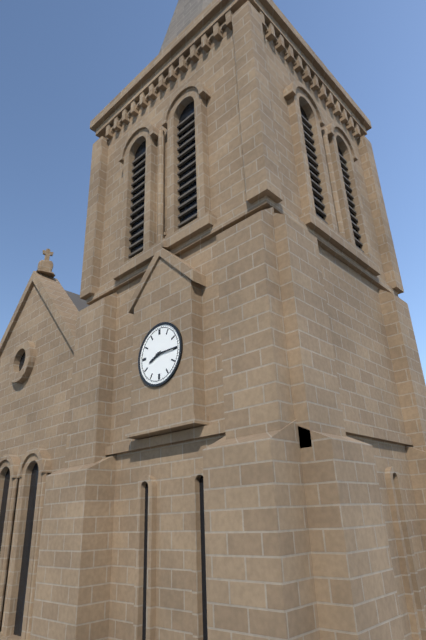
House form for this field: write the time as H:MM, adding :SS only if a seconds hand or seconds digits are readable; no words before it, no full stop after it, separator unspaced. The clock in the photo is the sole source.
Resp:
8:15
